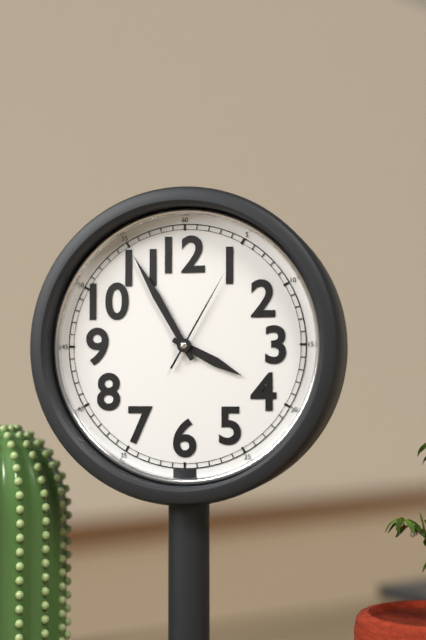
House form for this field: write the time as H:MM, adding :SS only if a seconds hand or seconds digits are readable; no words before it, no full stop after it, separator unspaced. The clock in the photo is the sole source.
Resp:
3:55:05
